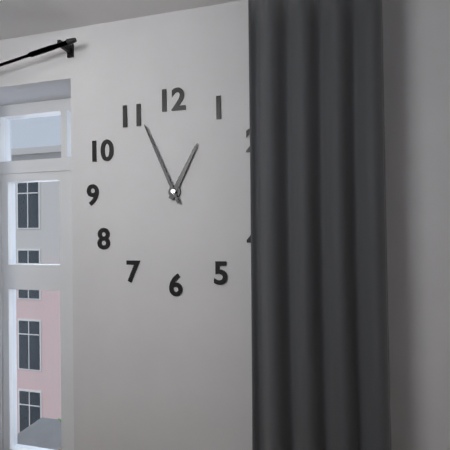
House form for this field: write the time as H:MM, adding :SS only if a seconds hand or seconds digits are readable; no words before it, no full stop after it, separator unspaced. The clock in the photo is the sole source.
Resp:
12:56
